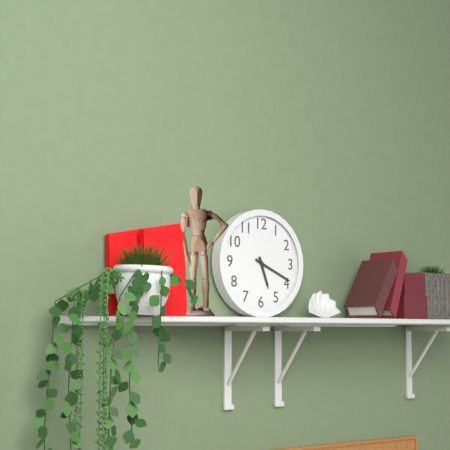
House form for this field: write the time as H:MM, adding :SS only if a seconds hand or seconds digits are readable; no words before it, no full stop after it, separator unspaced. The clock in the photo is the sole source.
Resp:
5:19
